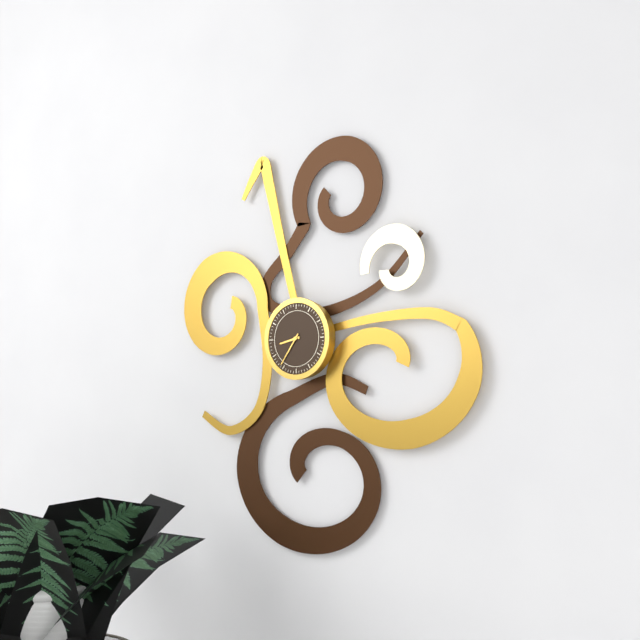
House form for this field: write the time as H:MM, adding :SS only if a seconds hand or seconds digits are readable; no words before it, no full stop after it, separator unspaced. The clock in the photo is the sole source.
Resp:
8:36
